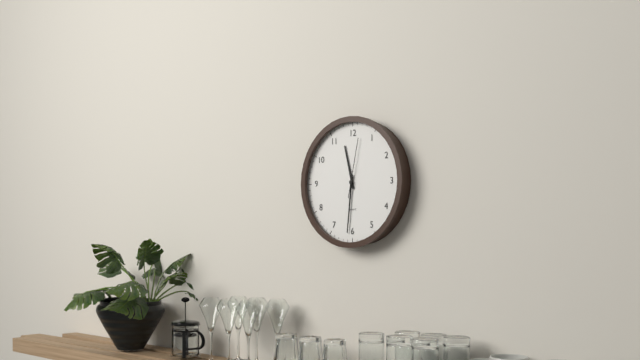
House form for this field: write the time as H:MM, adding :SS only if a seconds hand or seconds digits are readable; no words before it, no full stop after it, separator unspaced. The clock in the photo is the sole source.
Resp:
11:31:02
